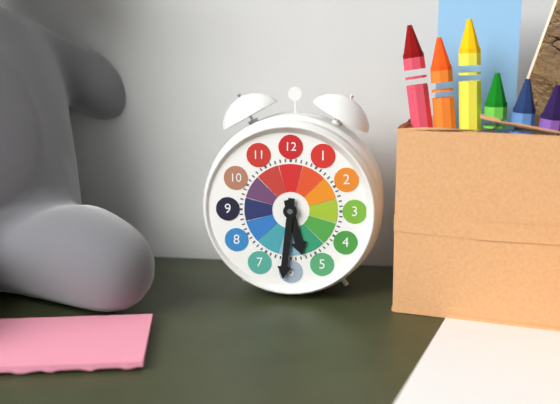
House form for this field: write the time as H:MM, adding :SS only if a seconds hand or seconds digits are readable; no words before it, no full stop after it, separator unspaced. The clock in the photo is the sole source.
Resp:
5:31
